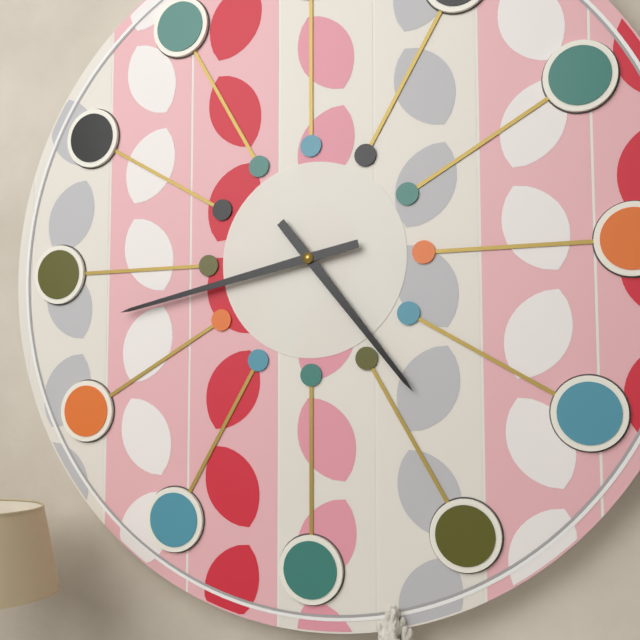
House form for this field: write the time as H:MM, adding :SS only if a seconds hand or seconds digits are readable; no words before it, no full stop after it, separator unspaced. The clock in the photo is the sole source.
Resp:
4:43
